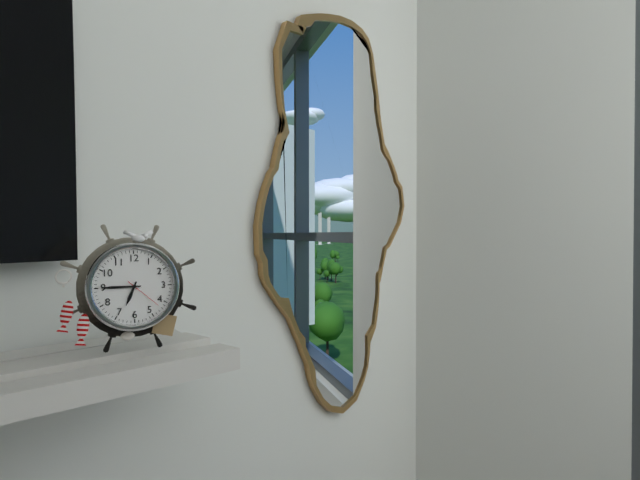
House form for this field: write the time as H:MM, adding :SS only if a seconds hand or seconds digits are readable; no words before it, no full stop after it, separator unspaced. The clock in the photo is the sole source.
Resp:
6:45
